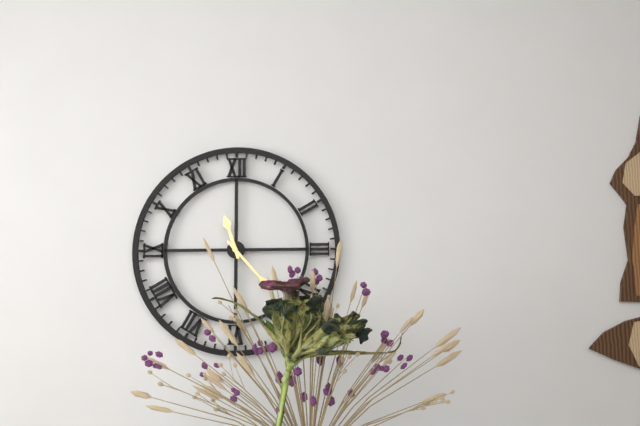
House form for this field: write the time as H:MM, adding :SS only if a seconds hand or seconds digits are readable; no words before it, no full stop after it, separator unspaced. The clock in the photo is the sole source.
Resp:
11:23
